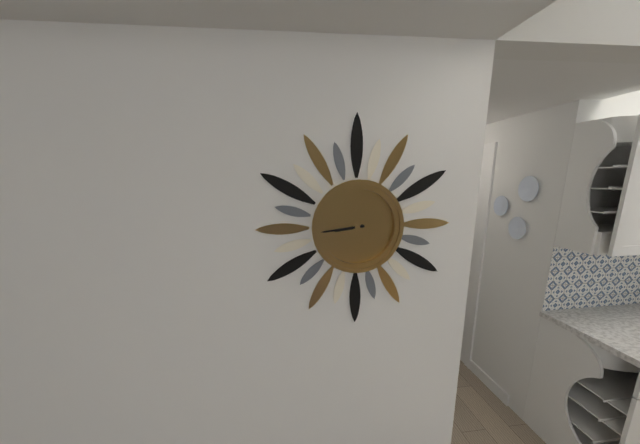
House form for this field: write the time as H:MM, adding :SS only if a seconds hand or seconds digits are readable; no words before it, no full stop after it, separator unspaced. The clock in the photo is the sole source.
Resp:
8:44
